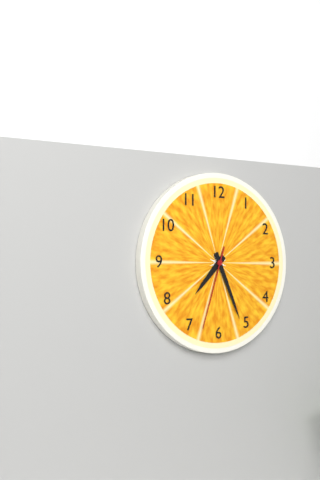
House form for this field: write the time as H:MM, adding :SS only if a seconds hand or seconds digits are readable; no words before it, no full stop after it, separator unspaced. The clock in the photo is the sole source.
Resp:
7:26:33
